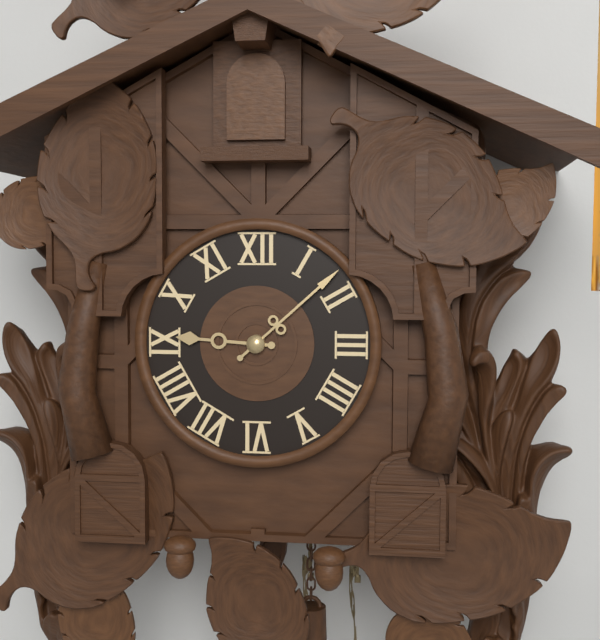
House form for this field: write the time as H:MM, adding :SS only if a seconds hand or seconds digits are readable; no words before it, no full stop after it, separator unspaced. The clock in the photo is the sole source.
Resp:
9:08
